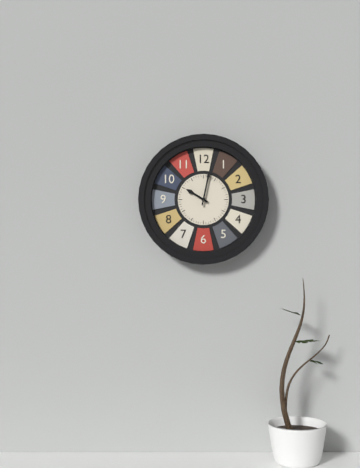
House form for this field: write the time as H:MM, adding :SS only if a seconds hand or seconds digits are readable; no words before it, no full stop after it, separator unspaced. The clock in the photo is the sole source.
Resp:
10:02
